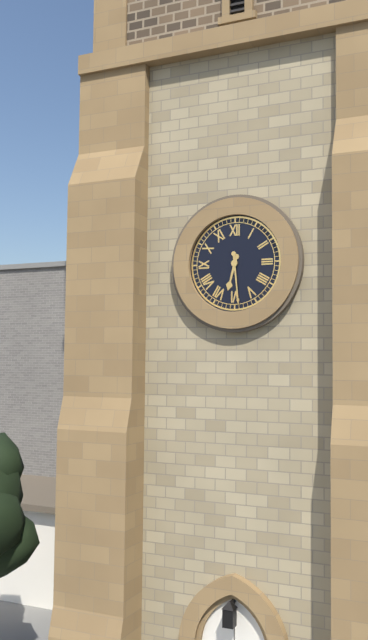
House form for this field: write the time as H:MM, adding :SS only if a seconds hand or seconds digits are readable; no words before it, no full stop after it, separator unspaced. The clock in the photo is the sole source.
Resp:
6:29
